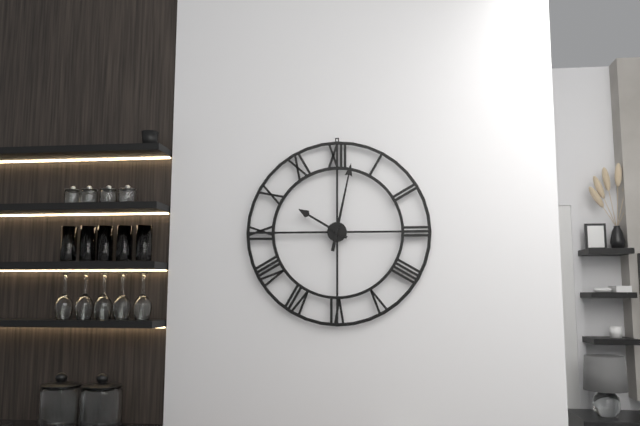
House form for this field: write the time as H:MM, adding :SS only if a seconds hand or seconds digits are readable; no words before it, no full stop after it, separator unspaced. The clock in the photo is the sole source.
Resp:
10:02
